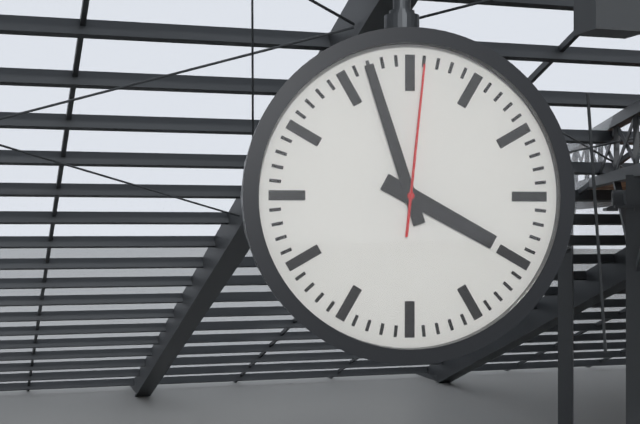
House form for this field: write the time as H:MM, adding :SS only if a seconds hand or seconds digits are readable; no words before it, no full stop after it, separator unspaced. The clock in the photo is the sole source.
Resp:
3:57:01
